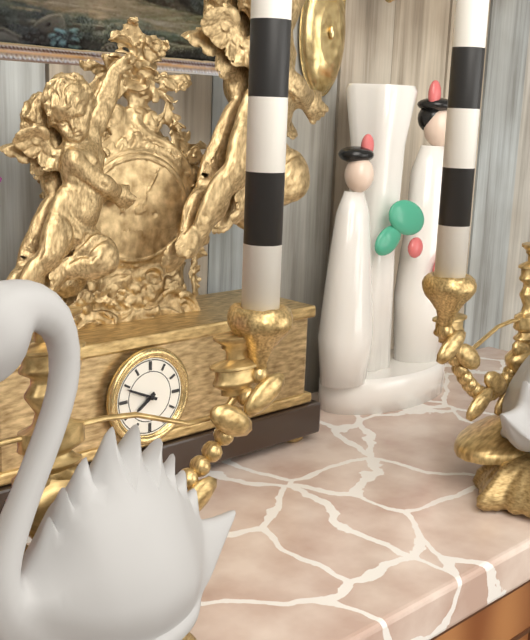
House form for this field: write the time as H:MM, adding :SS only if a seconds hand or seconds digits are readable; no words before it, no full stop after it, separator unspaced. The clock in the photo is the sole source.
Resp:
7:49
